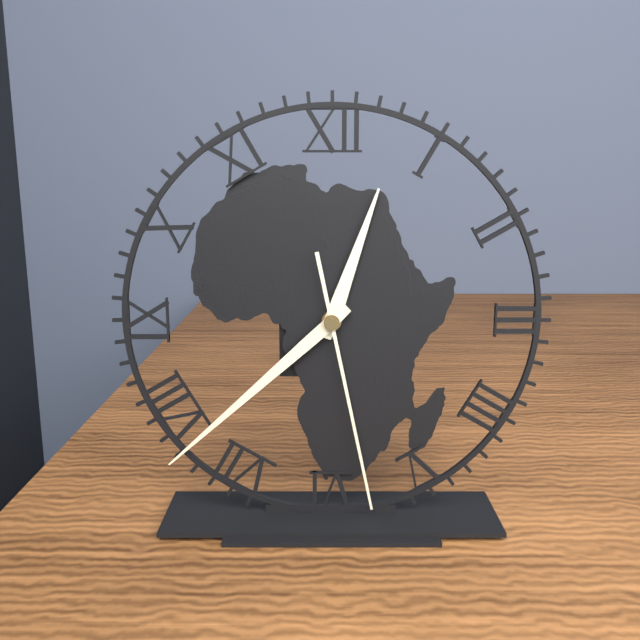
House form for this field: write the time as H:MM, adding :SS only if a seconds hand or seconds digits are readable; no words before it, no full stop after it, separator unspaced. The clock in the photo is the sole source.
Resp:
12:38:28
